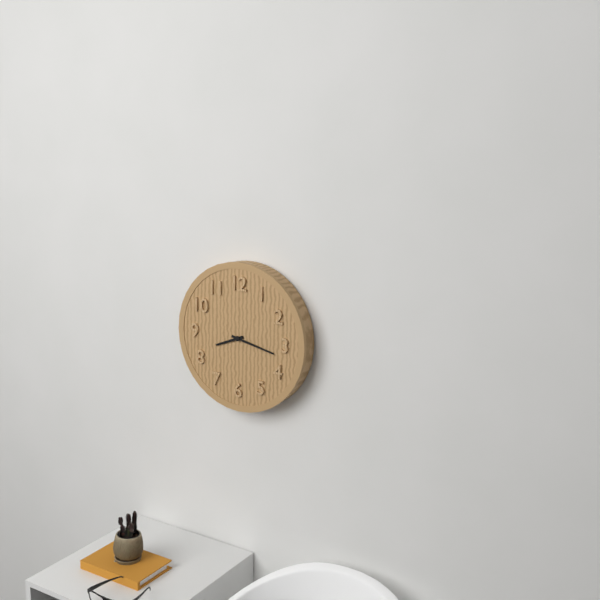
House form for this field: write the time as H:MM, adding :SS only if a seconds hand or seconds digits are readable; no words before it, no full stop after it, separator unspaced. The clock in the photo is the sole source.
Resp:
8:17
